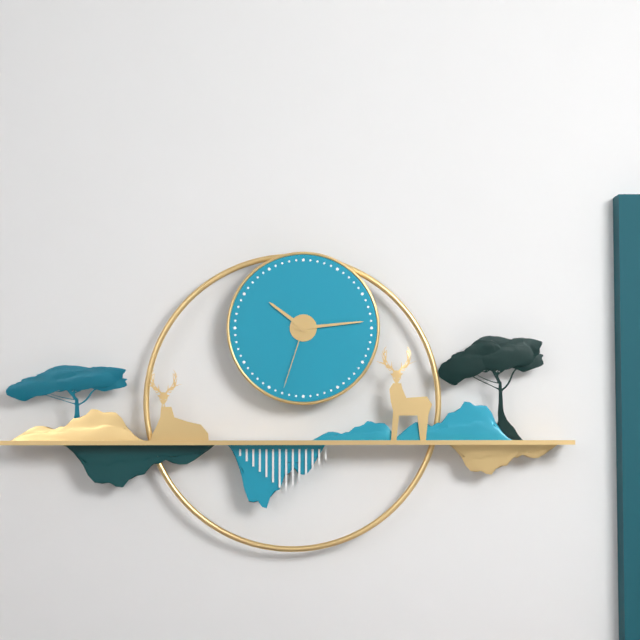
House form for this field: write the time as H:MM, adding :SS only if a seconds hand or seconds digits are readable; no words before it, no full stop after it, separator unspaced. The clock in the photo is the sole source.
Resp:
10:14:33
